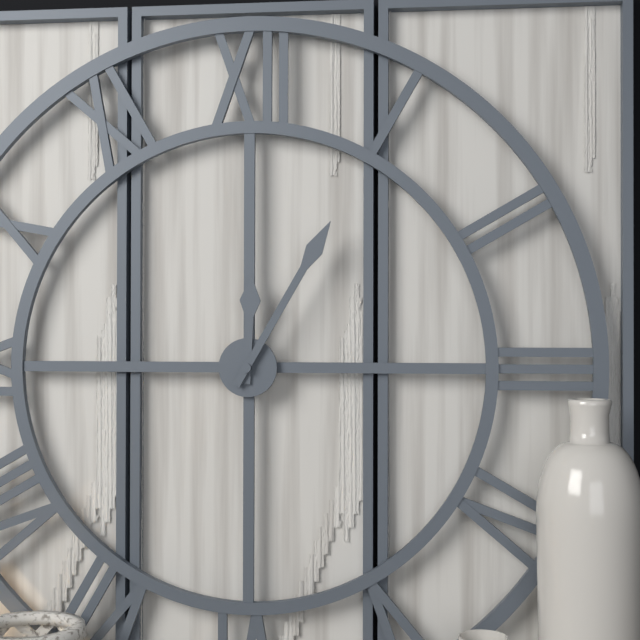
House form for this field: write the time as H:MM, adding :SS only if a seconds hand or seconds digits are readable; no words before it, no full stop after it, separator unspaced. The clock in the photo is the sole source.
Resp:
12:05
